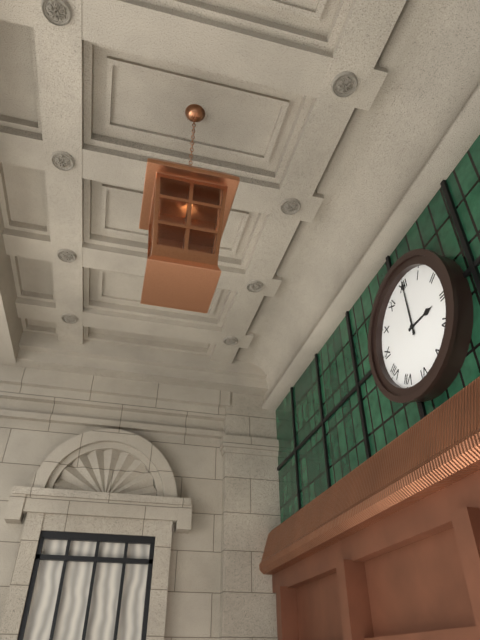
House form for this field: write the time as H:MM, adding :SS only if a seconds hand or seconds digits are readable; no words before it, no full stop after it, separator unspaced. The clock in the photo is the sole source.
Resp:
3:00
